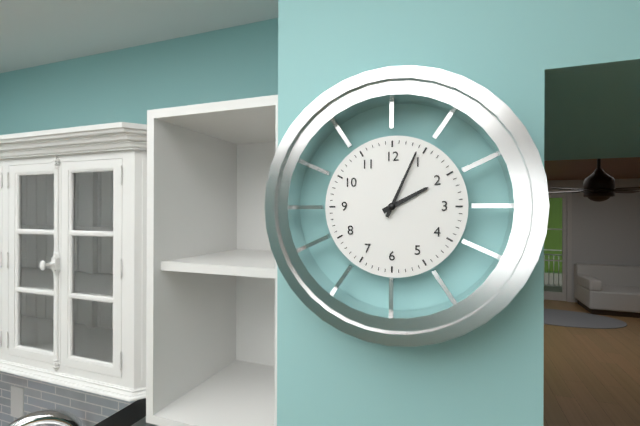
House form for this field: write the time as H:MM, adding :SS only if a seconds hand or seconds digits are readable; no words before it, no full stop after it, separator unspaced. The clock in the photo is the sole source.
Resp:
2:04
